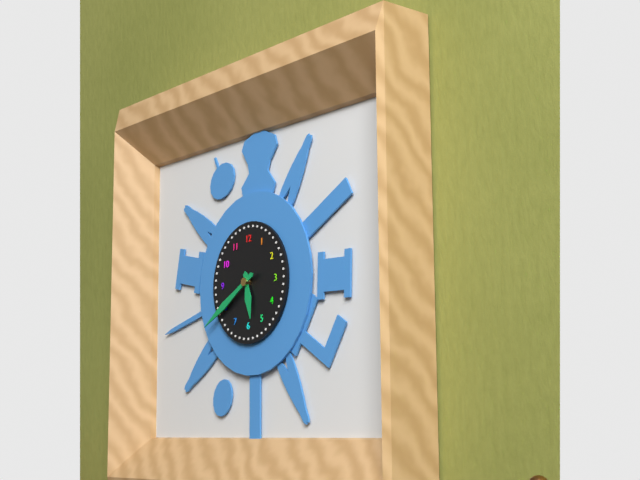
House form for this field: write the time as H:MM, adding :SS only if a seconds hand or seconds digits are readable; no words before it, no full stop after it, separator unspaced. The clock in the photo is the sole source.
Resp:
5:40
